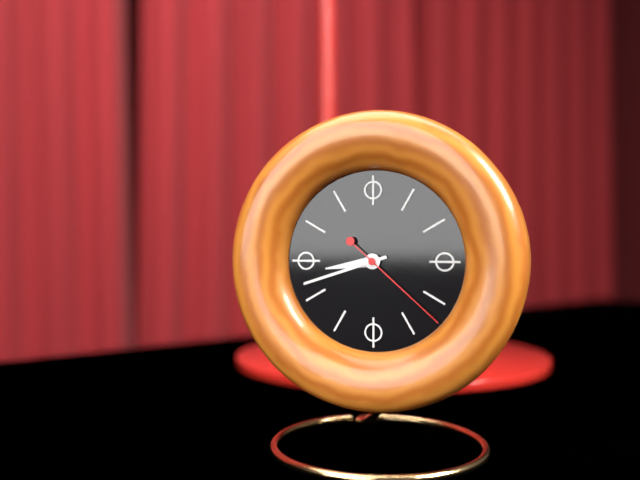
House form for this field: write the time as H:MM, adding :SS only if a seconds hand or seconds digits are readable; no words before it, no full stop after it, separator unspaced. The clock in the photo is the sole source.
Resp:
8:42:22
